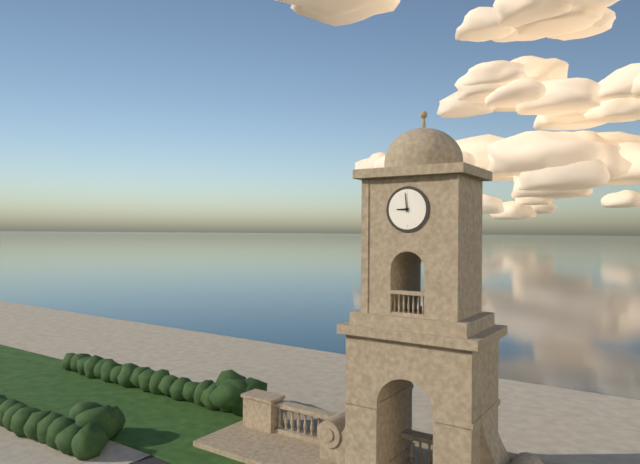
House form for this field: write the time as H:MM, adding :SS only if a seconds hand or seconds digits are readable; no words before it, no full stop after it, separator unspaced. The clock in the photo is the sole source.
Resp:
8:59
